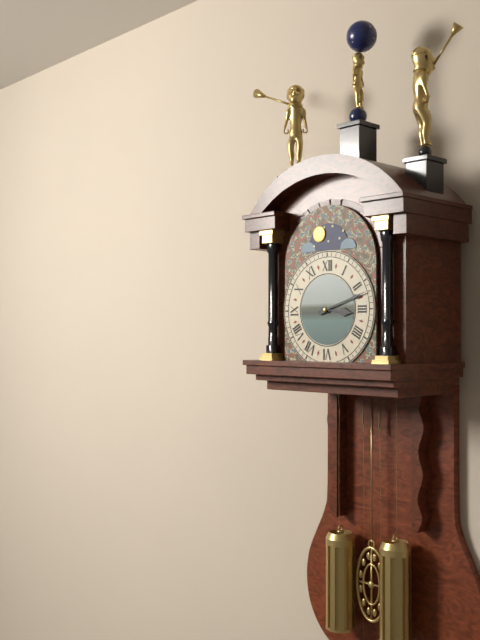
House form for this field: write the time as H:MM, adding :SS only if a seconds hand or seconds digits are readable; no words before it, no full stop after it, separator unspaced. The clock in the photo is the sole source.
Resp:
3:12
